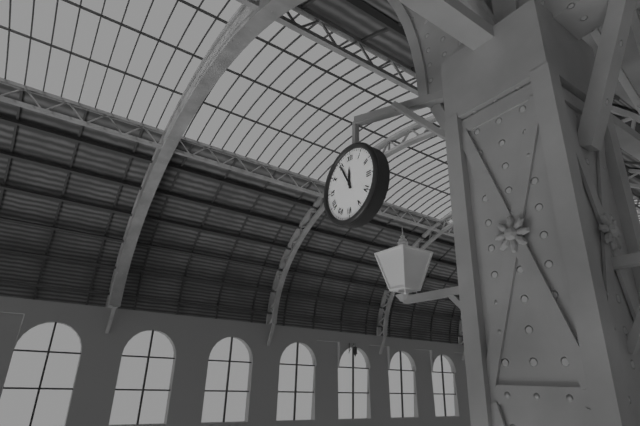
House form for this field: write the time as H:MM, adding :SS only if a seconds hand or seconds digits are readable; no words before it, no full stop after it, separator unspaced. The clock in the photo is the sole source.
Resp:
11:55
